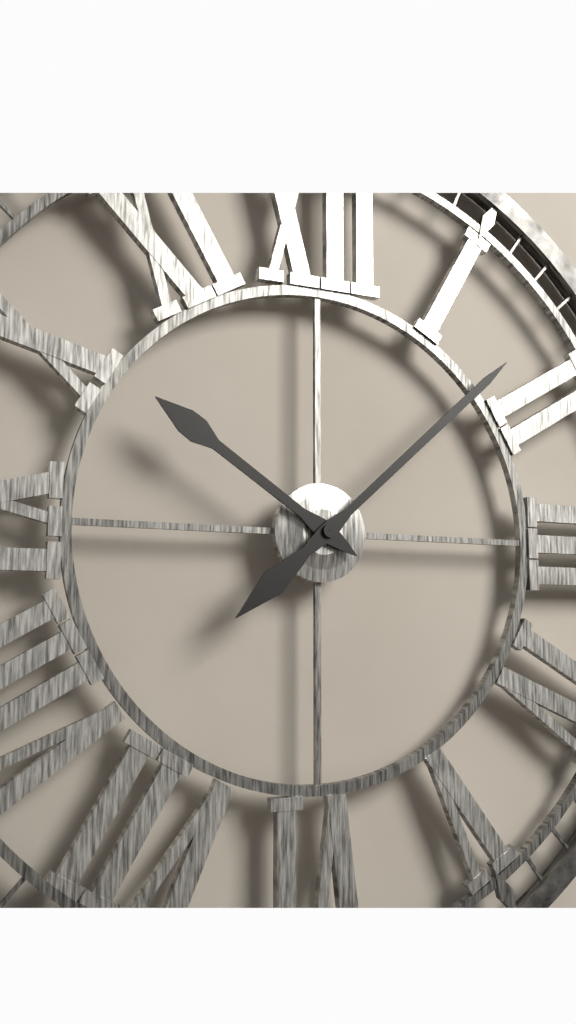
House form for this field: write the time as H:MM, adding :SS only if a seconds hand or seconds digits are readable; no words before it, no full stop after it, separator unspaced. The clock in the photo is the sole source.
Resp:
10:08
